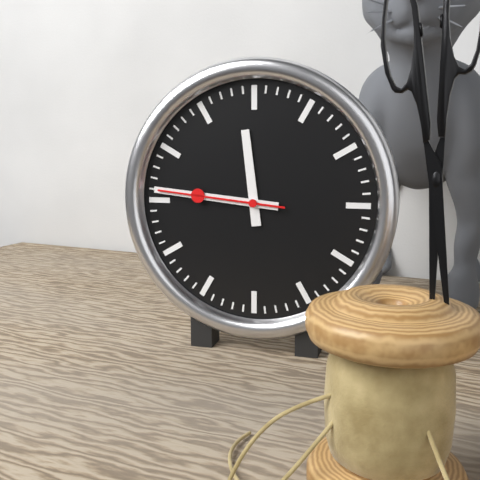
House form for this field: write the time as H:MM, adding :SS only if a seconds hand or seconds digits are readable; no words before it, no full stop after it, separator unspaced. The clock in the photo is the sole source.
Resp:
11:46:46
